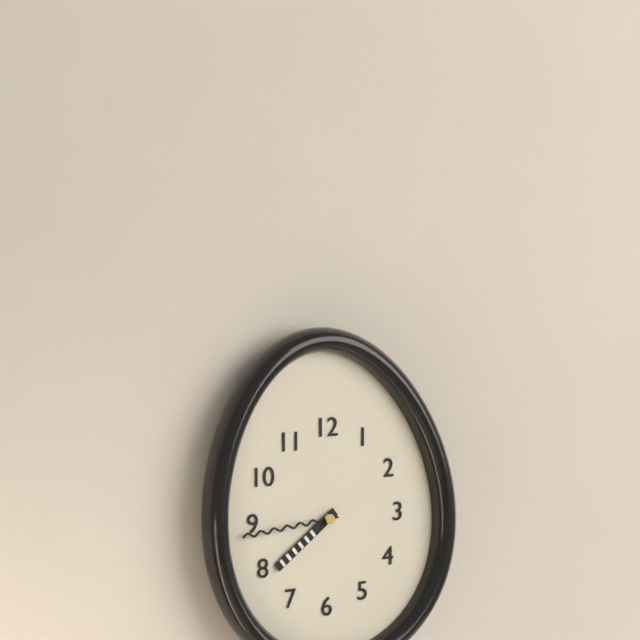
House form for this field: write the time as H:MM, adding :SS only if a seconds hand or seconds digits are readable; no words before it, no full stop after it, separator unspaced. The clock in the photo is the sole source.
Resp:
7:44
